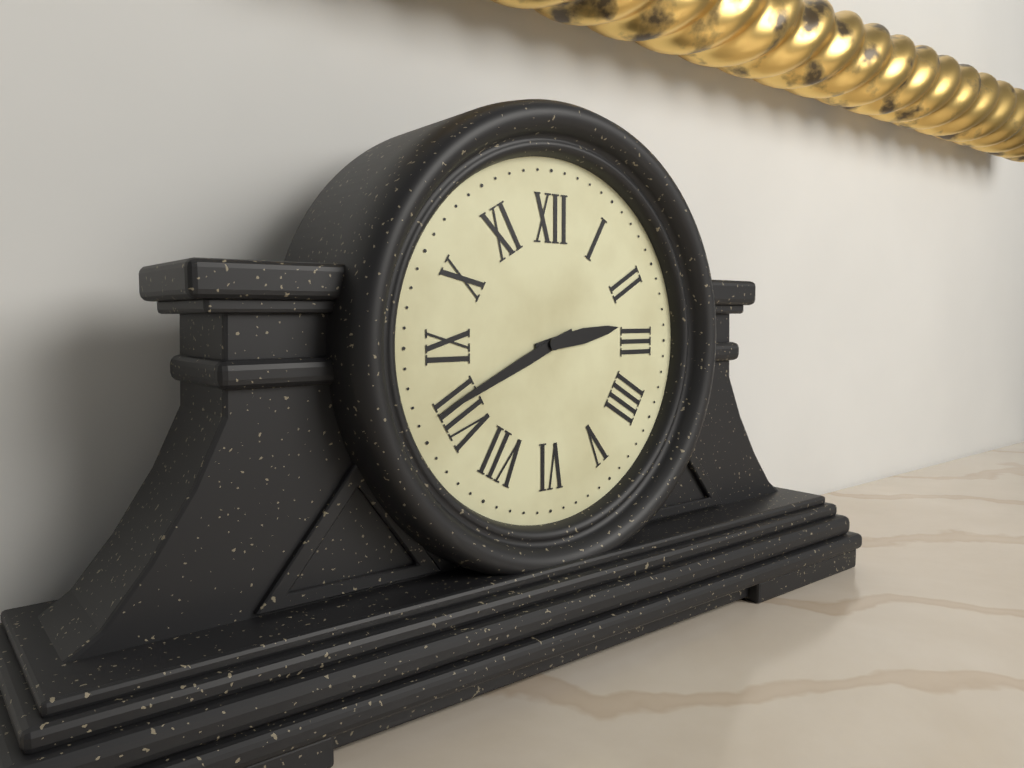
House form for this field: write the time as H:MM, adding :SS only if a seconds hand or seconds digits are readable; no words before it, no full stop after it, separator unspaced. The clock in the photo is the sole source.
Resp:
2:41
